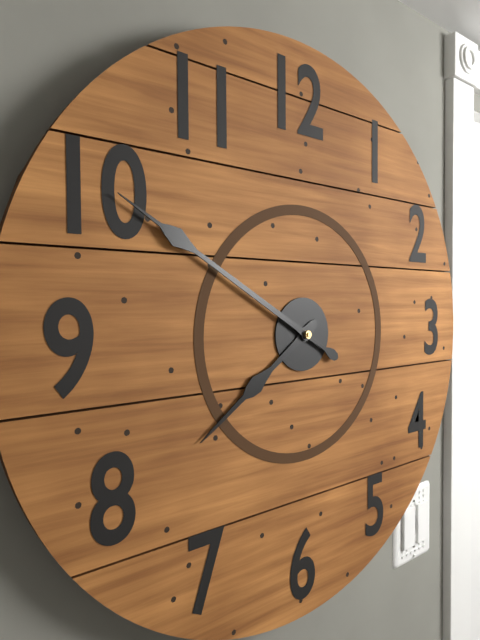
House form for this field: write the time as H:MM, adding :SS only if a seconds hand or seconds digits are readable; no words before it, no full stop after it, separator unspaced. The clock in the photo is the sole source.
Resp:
7:50
